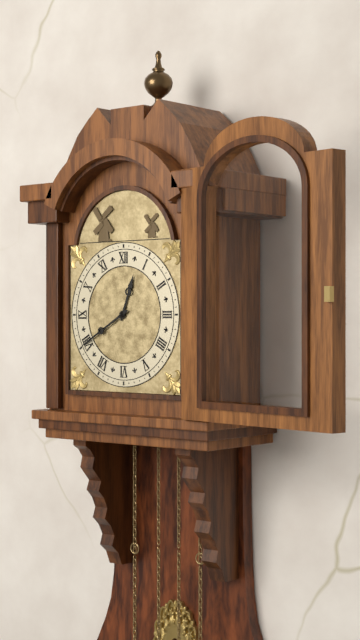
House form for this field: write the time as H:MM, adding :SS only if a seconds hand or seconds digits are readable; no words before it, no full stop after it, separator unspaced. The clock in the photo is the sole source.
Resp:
12:40
